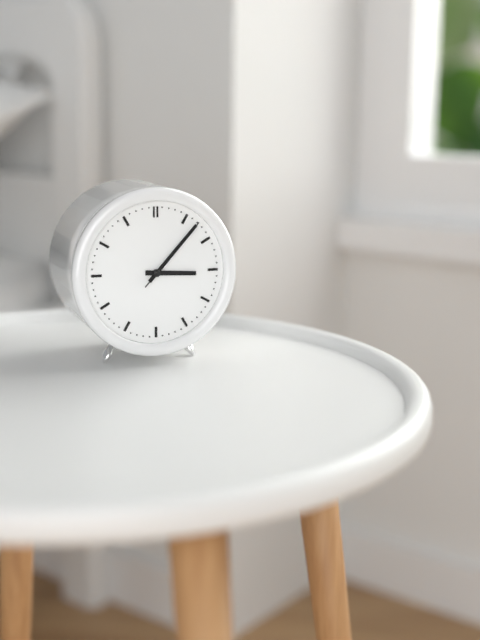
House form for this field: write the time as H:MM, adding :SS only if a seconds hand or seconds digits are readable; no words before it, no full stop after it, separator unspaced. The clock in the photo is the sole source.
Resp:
3:07:07
